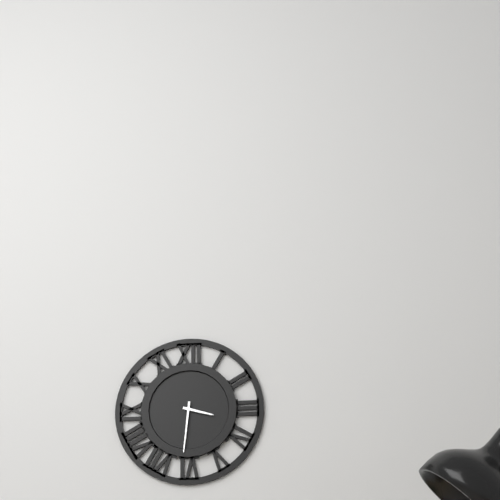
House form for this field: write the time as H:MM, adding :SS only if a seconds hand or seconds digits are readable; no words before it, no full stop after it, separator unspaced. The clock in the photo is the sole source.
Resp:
3:31
